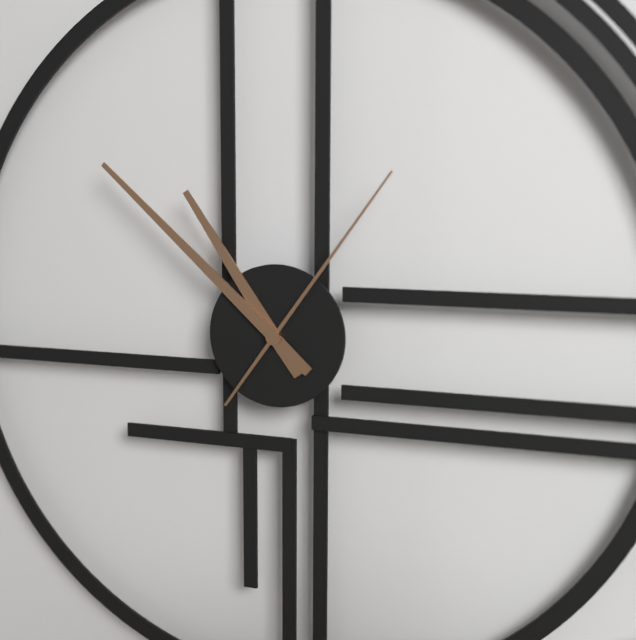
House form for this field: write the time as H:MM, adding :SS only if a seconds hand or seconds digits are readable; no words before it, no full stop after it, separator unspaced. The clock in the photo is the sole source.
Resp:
10:52:06
